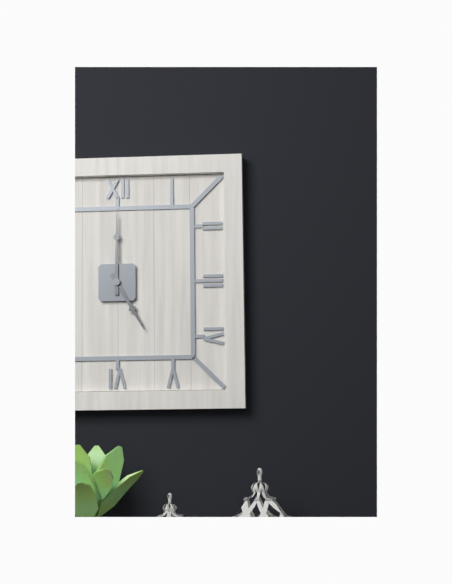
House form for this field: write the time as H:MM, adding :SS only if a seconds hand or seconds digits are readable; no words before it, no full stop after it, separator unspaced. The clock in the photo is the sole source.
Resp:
5:00
